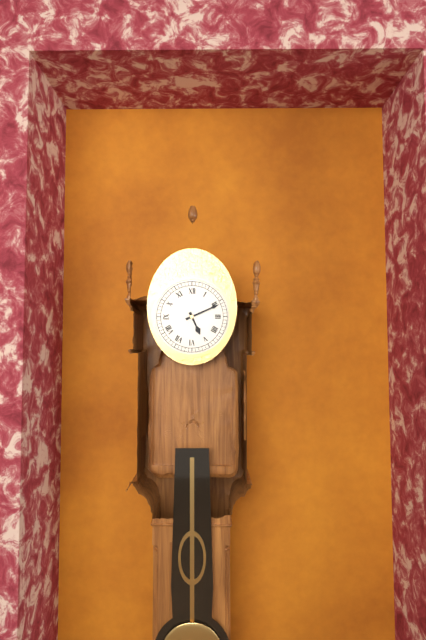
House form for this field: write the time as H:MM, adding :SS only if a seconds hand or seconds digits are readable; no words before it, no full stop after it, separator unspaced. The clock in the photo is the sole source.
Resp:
5:11
